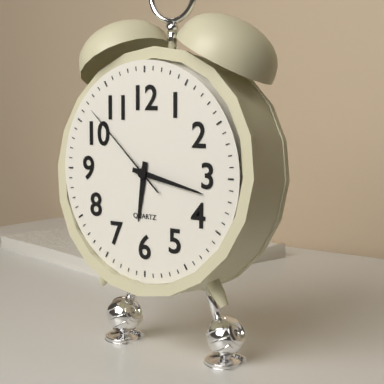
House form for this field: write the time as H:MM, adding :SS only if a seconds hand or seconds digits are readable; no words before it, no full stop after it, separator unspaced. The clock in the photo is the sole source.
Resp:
6:17:52
